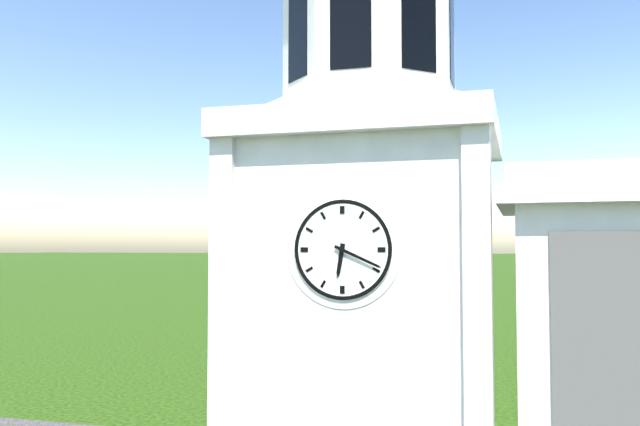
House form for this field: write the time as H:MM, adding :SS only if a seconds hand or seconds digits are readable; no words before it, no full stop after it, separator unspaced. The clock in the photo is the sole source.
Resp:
6:19
